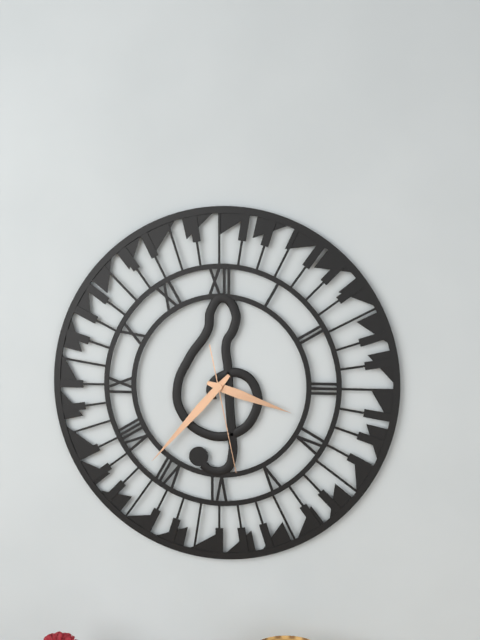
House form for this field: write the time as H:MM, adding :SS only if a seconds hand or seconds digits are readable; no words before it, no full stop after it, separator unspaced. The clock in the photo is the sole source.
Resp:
3:37:28
